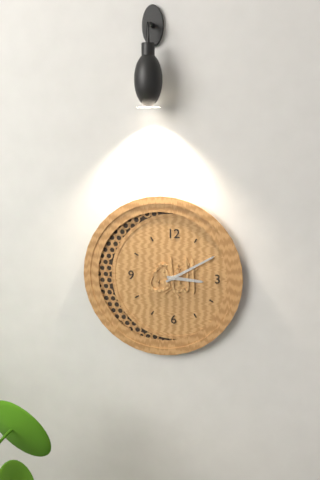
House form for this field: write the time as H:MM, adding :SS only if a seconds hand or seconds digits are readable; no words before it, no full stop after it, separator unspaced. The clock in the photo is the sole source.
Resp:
3:10
